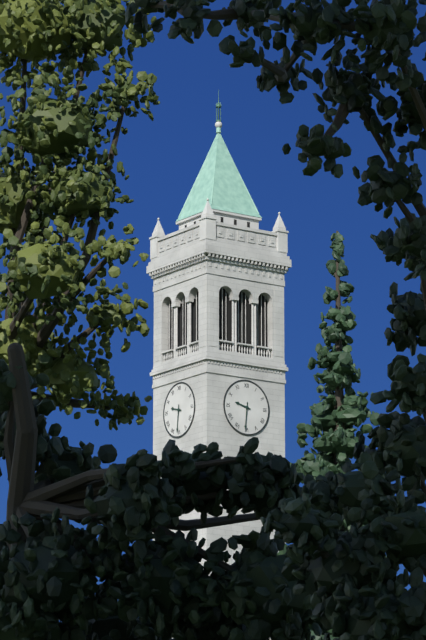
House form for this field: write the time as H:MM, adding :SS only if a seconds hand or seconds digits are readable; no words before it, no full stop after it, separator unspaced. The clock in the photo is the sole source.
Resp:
9:31
